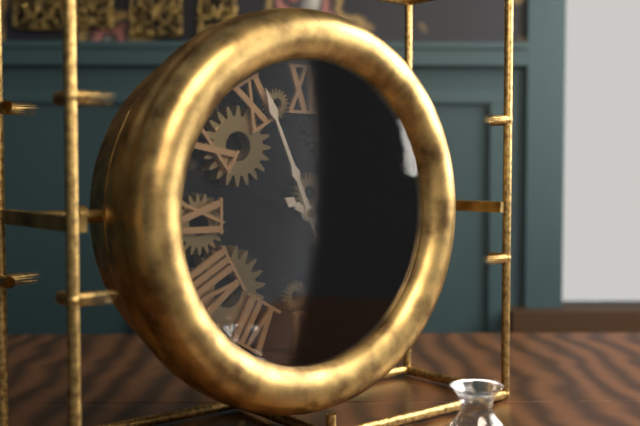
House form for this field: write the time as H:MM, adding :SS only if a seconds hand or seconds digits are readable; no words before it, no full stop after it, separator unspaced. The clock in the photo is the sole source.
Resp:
3:56
